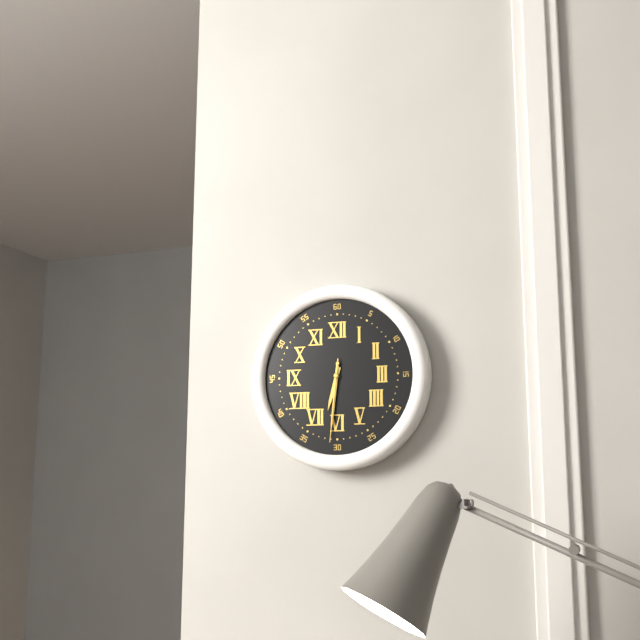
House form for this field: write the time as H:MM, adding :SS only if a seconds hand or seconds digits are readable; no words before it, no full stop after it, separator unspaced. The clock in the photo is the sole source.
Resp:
6:31:31
